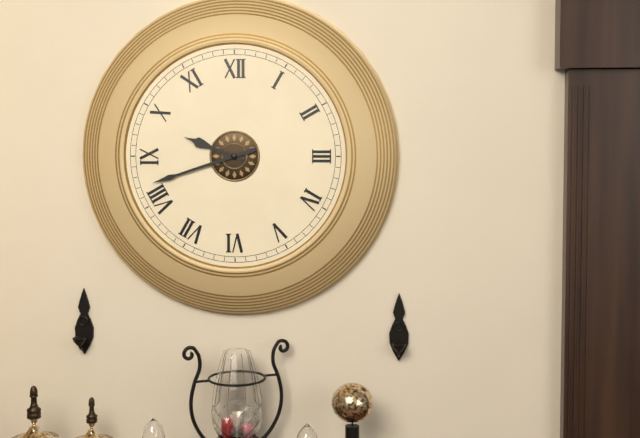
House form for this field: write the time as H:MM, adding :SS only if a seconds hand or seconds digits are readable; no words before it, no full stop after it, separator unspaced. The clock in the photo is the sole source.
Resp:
9:42
